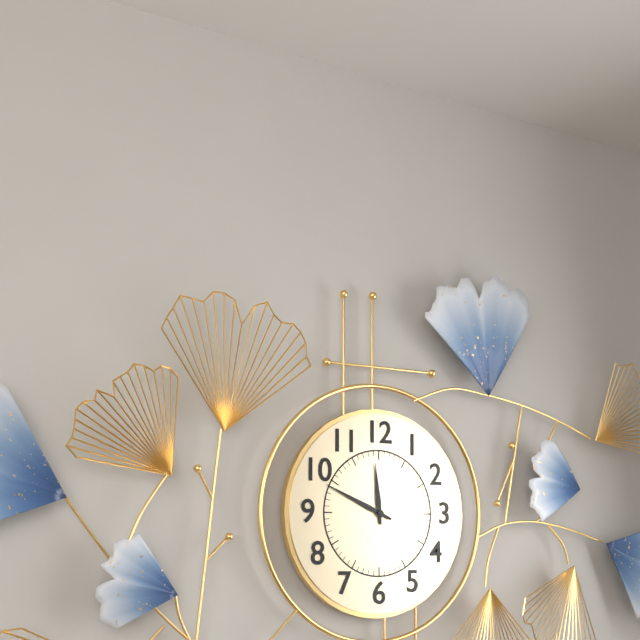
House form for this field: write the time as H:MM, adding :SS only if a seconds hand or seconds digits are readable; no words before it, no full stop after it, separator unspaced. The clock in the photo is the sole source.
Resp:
11:49
